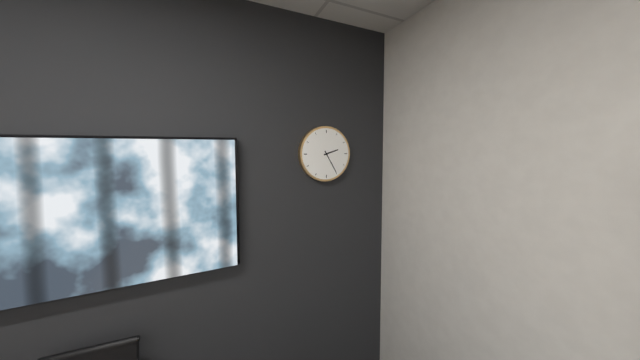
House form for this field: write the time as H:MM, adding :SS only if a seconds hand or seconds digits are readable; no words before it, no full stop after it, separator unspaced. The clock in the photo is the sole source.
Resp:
2:25
